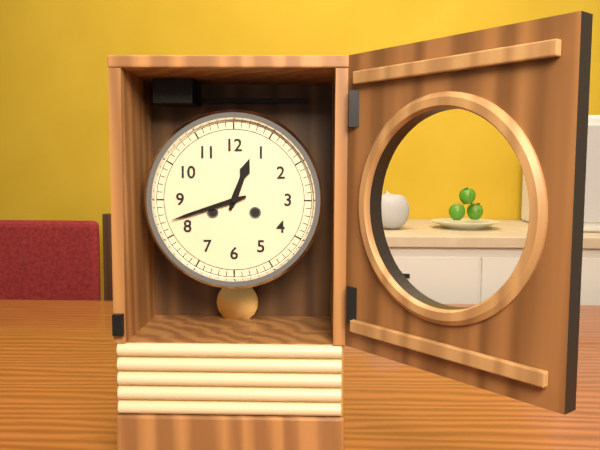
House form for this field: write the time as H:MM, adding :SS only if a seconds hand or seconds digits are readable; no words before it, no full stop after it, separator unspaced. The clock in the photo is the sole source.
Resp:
12:42
